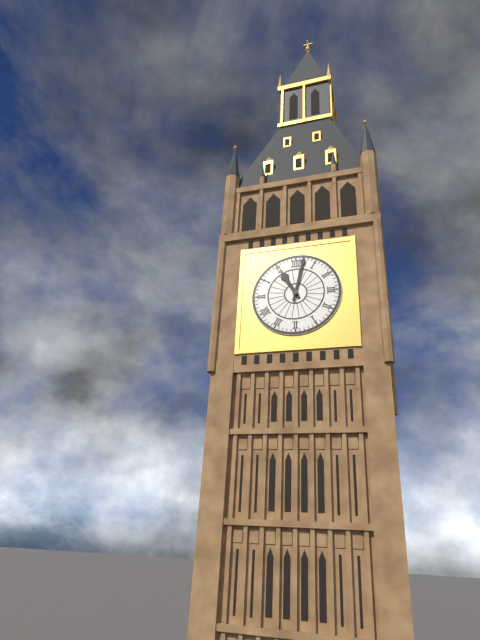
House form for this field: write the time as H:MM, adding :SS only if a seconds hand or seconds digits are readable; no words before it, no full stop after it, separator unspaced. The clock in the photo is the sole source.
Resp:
11:02
